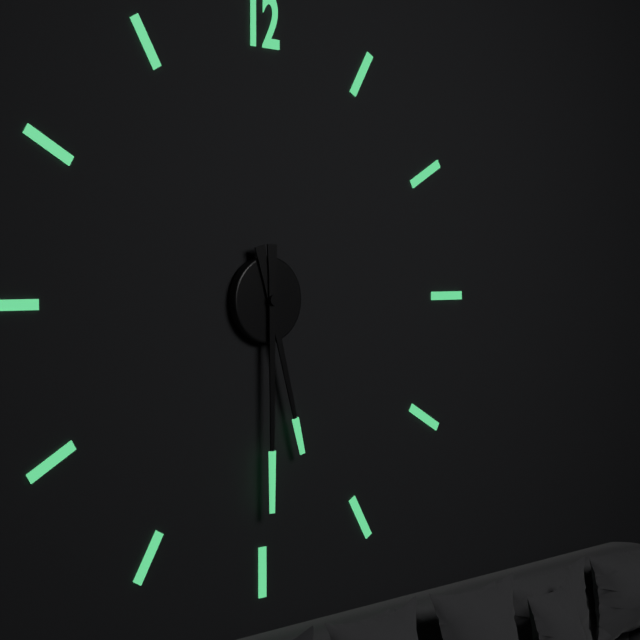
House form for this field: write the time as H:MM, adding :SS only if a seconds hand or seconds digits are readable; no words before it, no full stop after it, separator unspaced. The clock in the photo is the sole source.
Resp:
5:30
